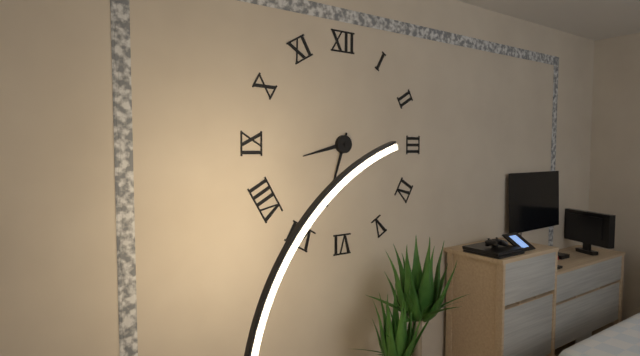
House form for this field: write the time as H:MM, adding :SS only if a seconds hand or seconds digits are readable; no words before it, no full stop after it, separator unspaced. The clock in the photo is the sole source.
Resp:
8:33
